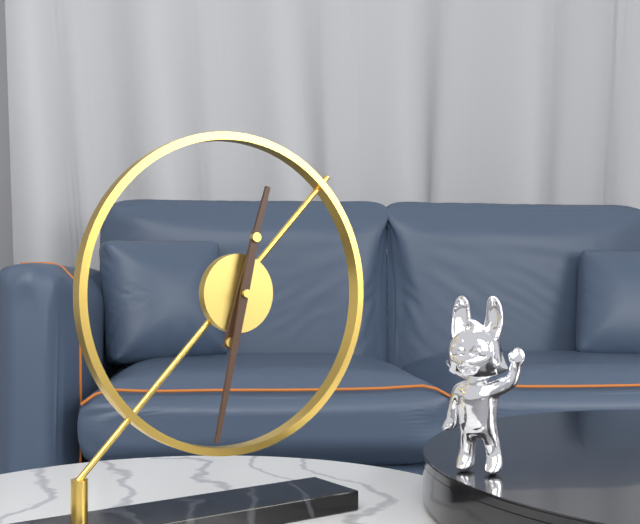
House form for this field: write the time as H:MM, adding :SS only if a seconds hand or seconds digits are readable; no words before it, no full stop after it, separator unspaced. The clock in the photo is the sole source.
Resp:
12:32
